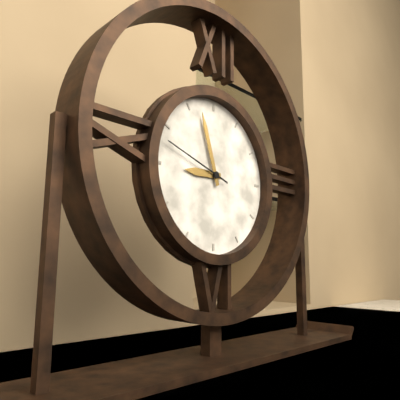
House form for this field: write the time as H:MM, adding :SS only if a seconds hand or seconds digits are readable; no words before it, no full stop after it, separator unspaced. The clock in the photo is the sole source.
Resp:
8:57:48
